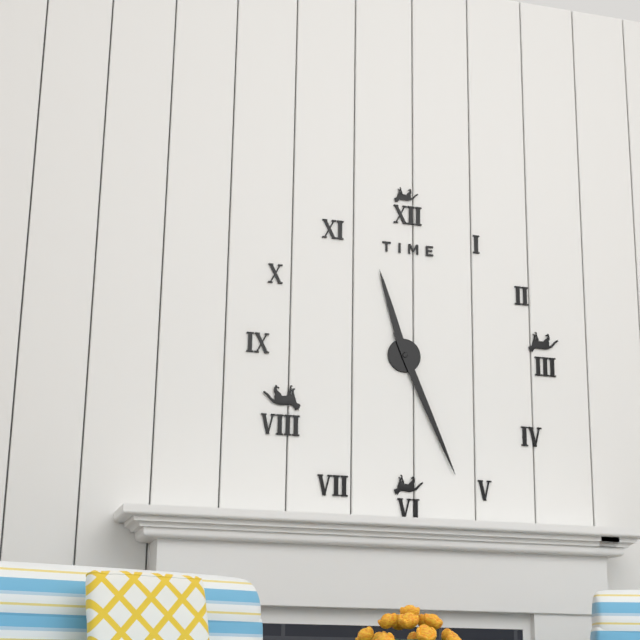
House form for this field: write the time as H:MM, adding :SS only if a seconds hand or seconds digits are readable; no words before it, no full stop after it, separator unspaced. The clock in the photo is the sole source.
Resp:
11:26
